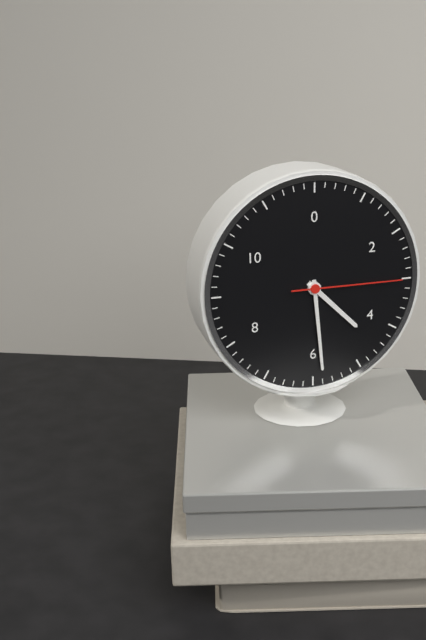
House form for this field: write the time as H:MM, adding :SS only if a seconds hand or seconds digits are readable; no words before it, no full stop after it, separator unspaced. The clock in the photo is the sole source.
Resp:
4:29:15
